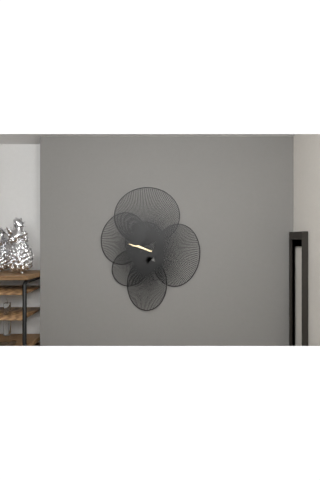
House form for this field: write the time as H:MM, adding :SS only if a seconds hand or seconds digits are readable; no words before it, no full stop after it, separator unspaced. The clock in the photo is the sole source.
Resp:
9:48
